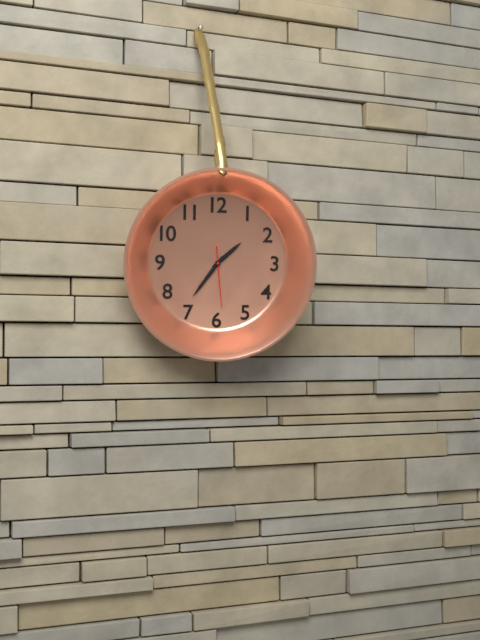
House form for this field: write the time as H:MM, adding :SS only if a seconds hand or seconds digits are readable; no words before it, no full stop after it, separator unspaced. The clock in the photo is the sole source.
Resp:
1:36:29
